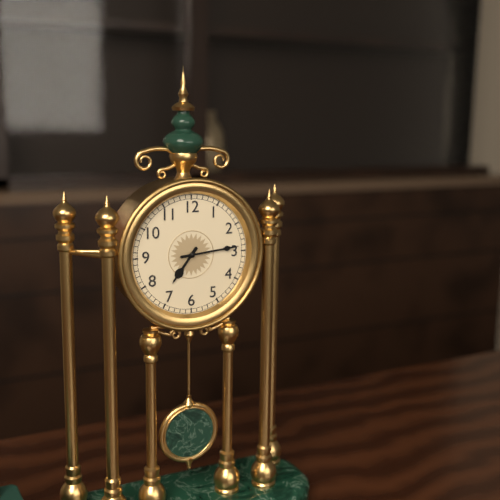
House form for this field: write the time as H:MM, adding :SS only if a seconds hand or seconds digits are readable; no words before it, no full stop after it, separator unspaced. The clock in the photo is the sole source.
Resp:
7:14
